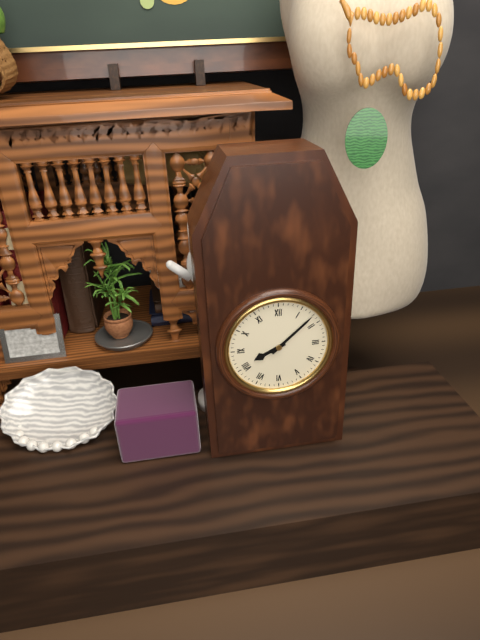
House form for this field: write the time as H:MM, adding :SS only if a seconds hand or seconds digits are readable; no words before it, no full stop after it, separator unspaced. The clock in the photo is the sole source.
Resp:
8:08
